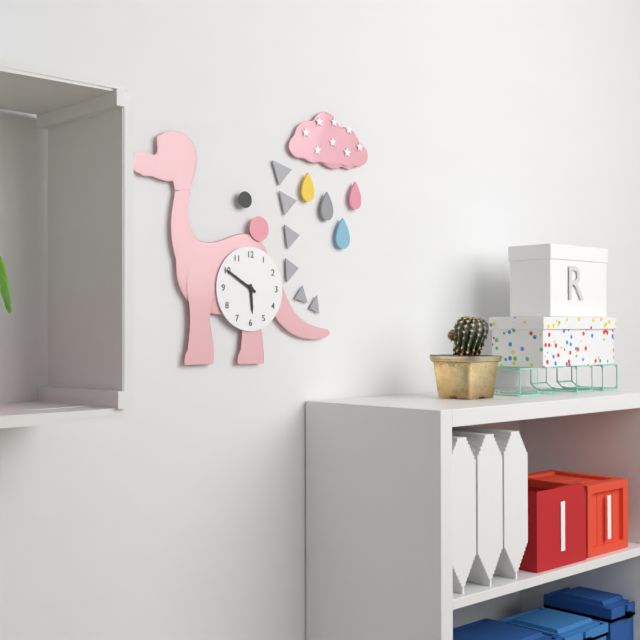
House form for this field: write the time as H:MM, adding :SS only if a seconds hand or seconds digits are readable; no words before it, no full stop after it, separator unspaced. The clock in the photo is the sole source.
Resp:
5:50
